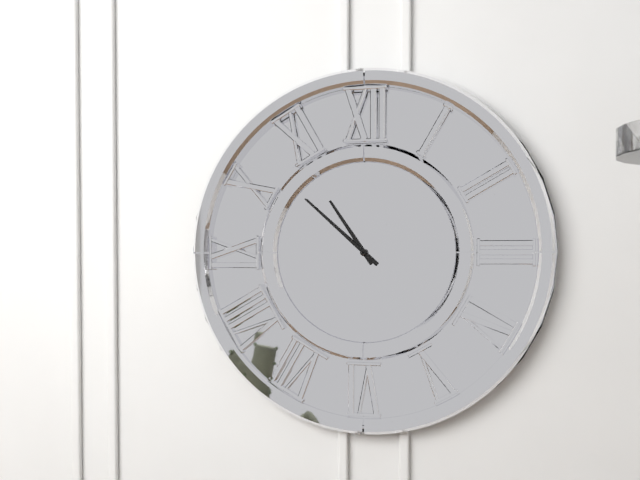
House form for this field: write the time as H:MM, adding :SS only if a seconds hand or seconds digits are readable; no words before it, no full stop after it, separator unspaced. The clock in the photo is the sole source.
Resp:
10:52
